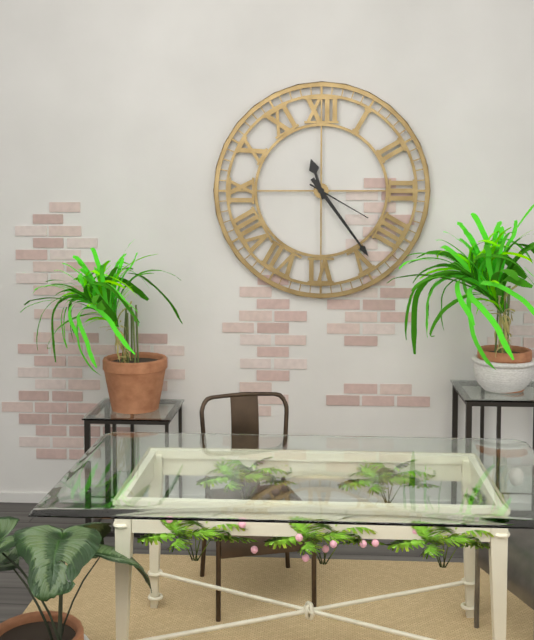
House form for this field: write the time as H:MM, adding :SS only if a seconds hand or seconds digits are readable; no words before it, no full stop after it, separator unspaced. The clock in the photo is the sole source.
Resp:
11:24:20
